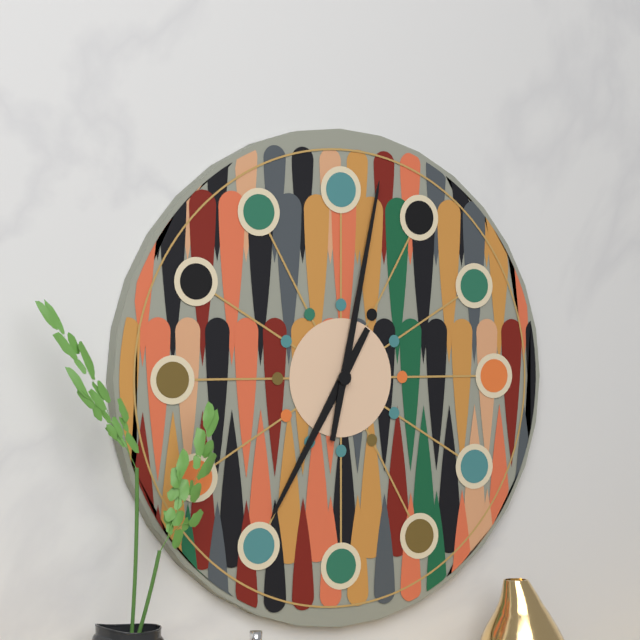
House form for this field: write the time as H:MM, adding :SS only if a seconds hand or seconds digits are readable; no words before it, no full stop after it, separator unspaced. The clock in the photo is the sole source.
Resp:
7:02
